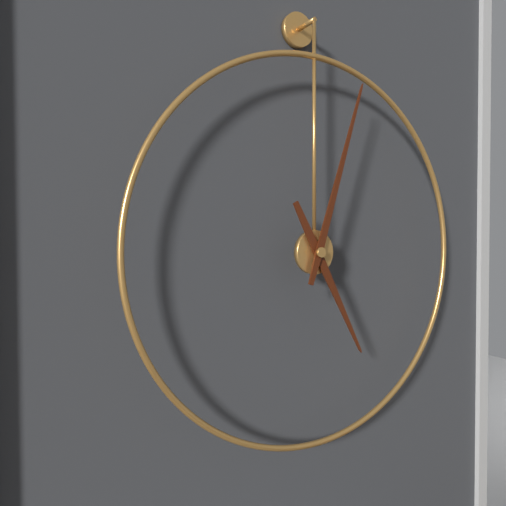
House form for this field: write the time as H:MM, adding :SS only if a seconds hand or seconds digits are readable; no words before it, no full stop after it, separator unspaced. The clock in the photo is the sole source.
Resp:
5:03
